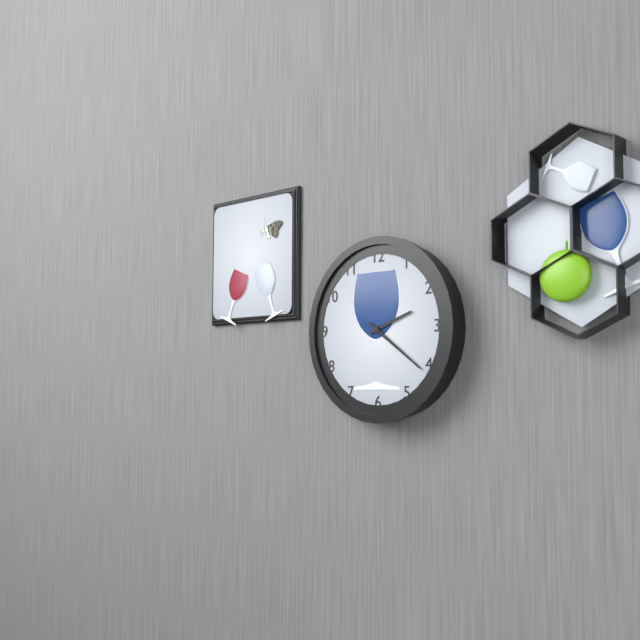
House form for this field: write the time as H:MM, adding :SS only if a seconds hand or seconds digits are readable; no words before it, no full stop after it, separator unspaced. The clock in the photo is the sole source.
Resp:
2:21
